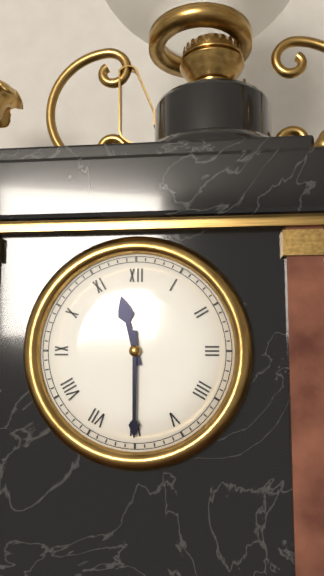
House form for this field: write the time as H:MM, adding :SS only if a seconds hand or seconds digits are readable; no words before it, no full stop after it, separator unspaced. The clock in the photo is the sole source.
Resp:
11:30
